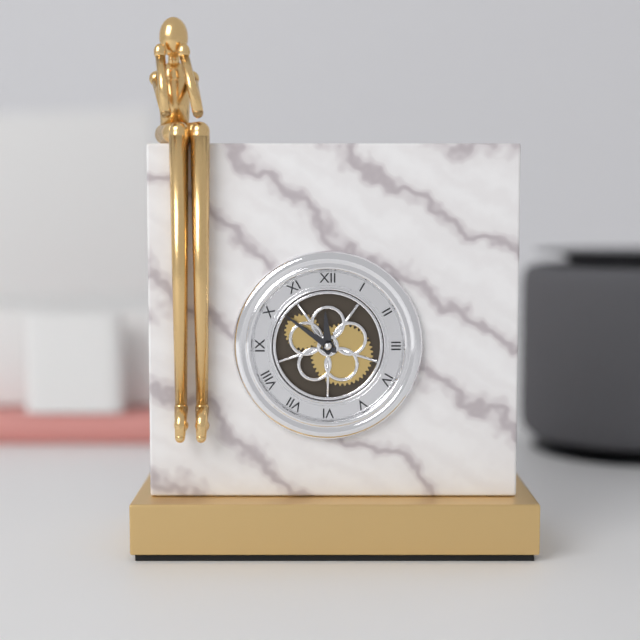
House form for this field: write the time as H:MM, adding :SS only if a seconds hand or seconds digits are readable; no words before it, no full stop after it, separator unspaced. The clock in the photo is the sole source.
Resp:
11:51
